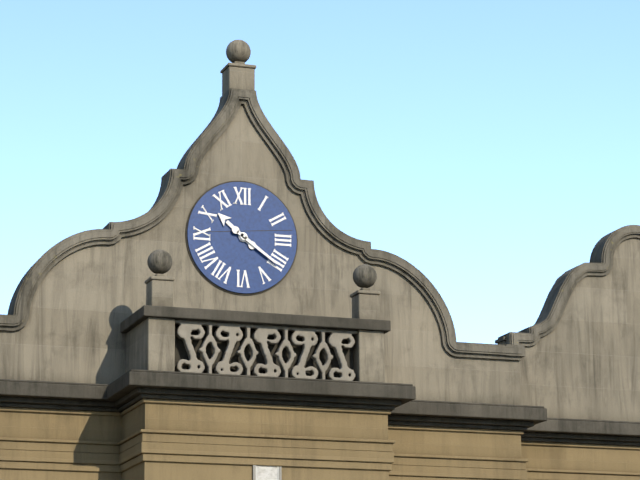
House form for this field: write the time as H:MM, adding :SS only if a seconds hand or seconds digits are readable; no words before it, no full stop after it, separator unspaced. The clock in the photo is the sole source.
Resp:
10:21
